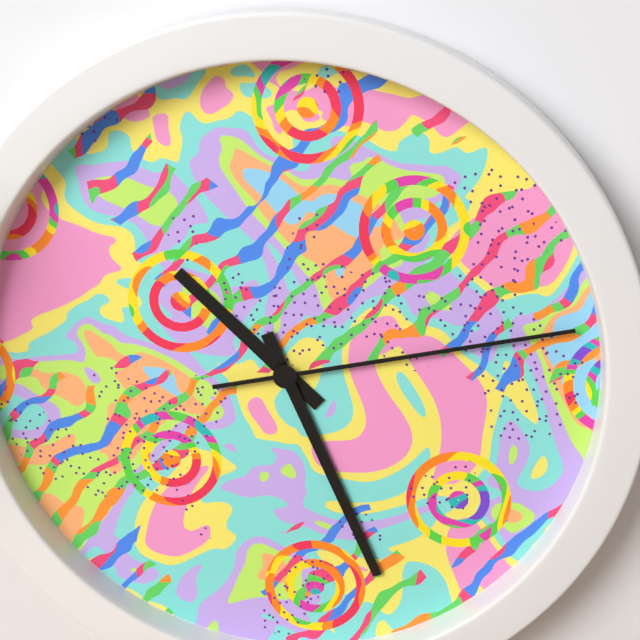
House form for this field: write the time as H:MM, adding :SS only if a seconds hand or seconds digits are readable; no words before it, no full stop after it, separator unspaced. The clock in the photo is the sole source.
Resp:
10:26:13
